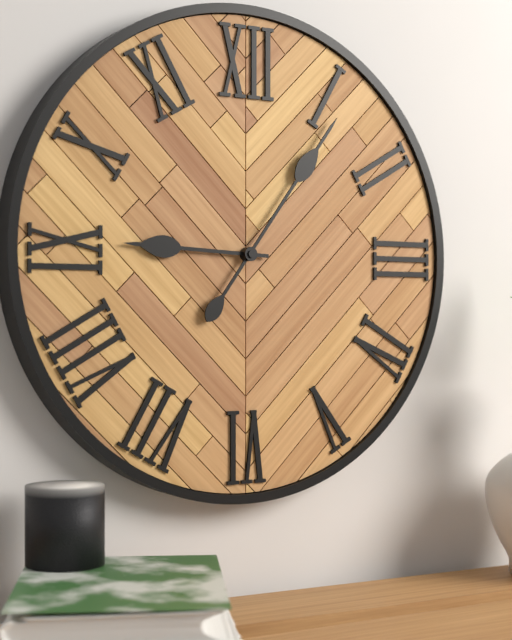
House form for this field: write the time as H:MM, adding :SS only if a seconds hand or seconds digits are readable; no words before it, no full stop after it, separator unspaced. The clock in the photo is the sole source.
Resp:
9:06
